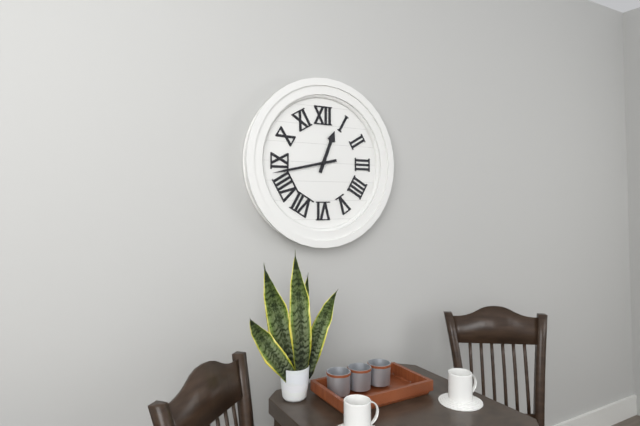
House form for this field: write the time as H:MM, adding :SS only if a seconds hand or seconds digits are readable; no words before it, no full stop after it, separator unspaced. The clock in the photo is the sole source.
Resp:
12:43
